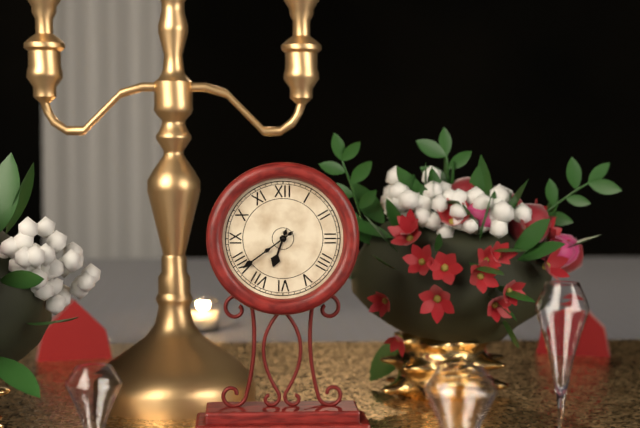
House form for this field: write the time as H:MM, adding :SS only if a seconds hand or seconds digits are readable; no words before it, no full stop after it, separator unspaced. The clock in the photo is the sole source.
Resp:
6:39
